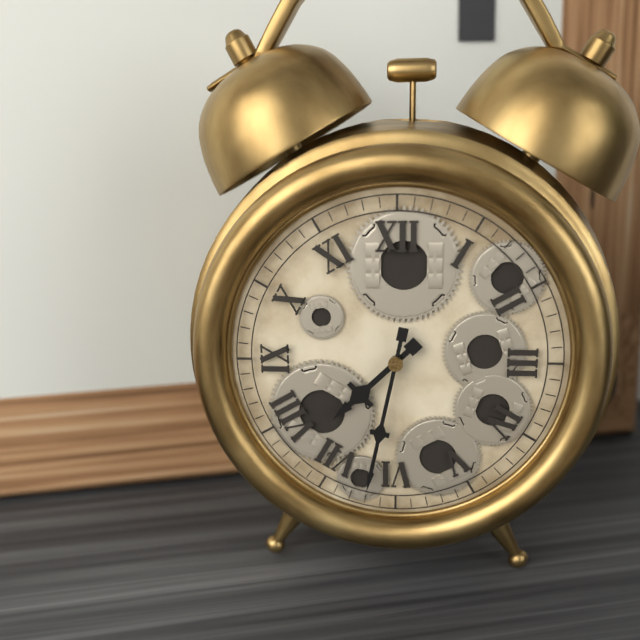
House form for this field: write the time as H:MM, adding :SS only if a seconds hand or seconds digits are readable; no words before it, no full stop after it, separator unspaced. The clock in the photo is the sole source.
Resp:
7:32
